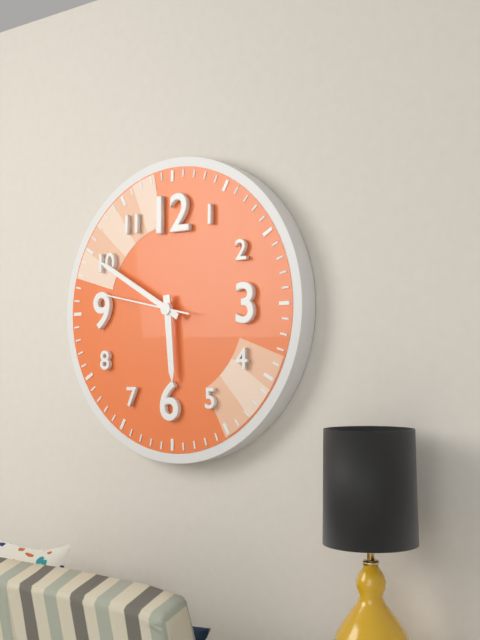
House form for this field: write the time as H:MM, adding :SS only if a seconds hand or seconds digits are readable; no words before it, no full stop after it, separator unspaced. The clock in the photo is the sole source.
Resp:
5:50:47
